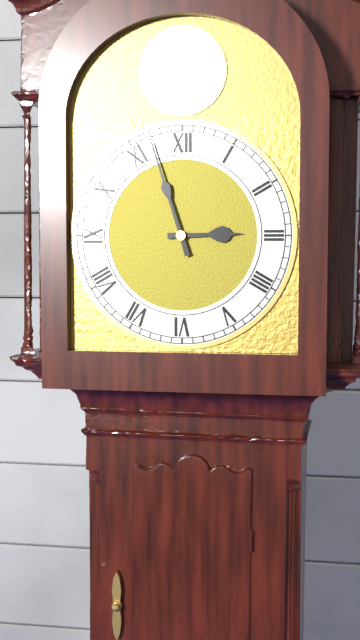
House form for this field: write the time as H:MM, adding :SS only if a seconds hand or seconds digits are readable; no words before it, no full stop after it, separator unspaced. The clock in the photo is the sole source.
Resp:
2:57
